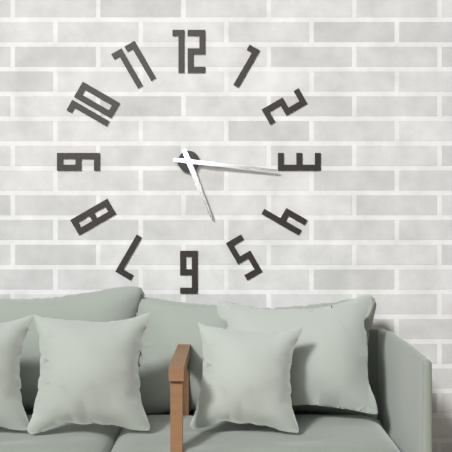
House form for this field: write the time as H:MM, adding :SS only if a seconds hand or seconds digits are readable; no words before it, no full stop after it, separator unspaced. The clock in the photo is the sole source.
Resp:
5:16
